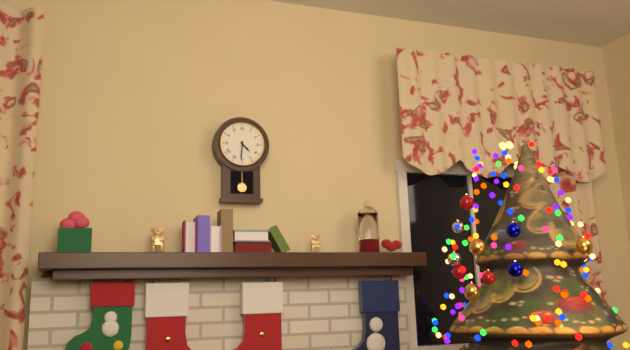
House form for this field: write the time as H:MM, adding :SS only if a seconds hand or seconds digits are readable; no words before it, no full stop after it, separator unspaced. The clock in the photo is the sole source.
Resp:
4:31
